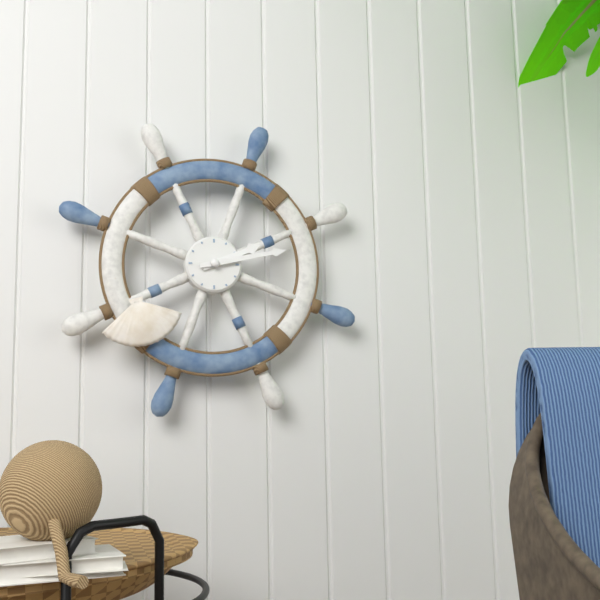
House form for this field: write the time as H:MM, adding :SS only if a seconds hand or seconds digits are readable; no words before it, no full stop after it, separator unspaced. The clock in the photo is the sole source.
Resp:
2:13
